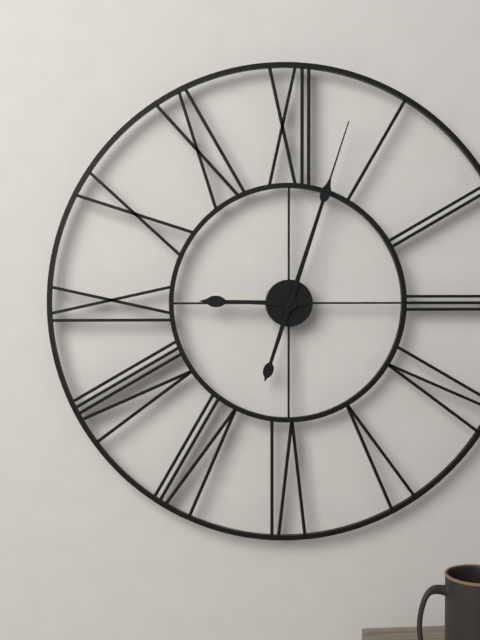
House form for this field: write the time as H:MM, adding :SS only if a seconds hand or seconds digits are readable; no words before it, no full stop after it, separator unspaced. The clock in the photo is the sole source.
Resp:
9:03
